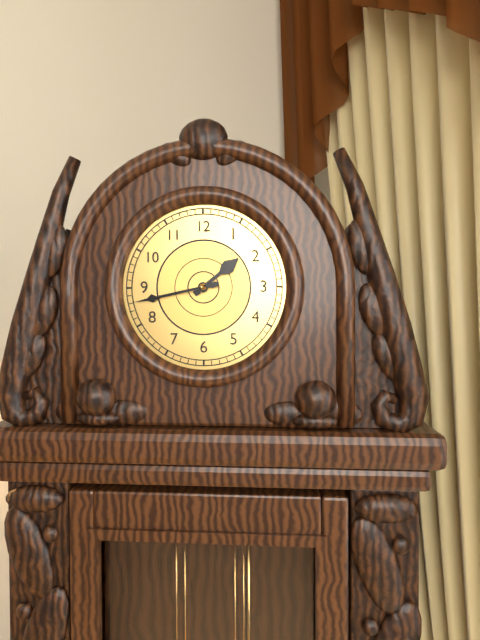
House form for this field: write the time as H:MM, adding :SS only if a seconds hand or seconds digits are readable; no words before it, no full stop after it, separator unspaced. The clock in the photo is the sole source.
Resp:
1:43
